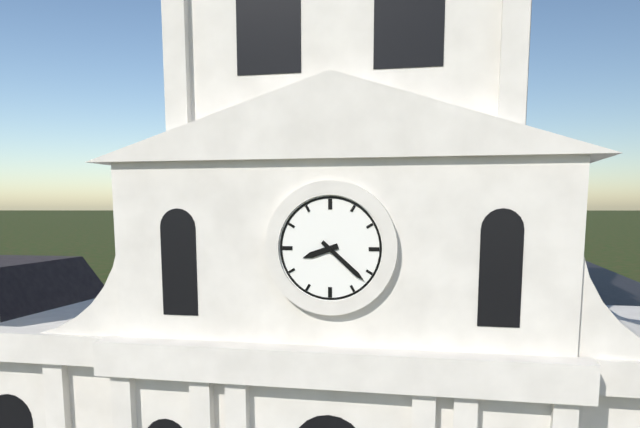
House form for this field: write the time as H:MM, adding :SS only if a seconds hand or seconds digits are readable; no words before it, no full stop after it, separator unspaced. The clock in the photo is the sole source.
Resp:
8:22
